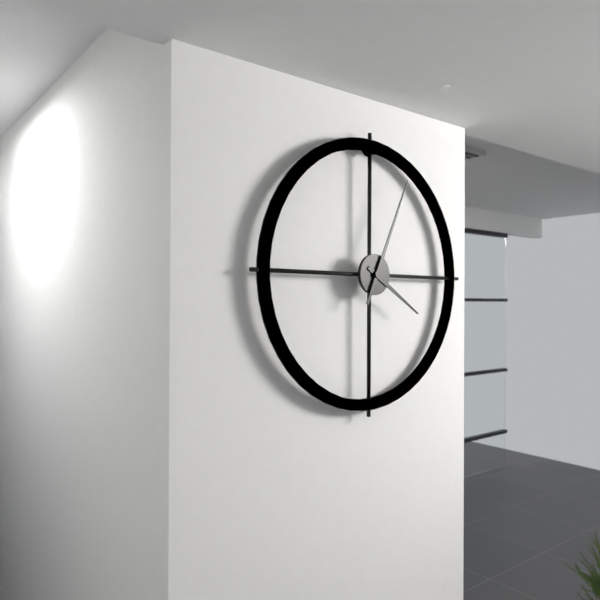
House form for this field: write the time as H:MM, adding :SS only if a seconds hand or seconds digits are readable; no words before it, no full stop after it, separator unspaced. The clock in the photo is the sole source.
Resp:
4:04
